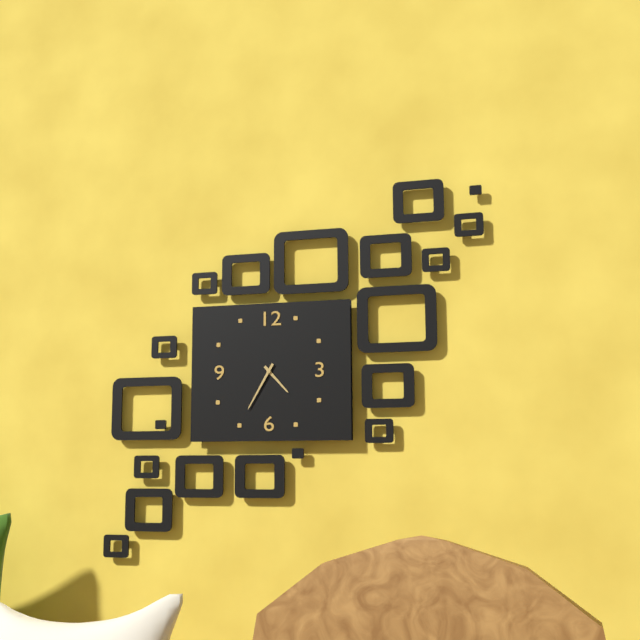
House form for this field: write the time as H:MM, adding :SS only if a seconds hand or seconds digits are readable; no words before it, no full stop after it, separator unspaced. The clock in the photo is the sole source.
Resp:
4:35
